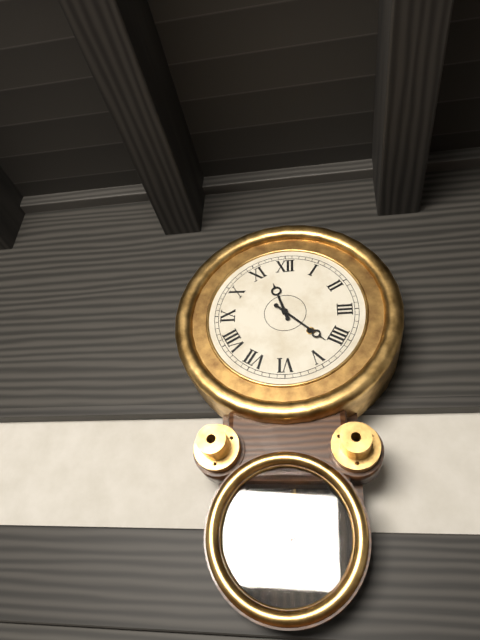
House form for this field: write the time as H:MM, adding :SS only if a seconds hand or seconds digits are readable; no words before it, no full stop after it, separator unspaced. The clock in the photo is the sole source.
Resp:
11:22
